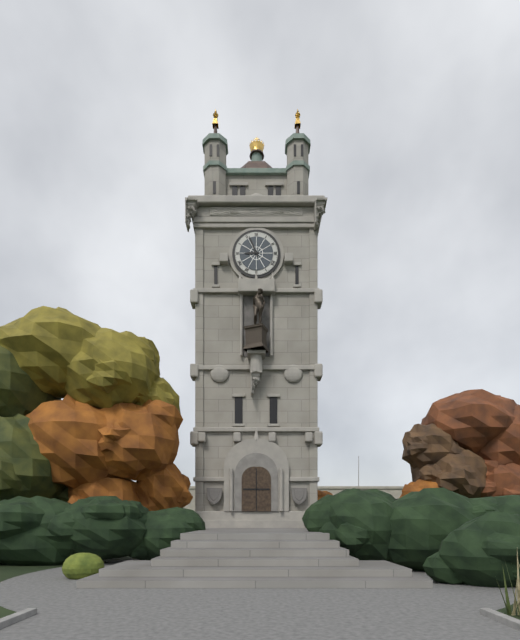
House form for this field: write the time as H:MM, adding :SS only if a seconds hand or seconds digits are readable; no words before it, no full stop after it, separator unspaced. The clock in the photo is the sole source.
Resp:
8:56
